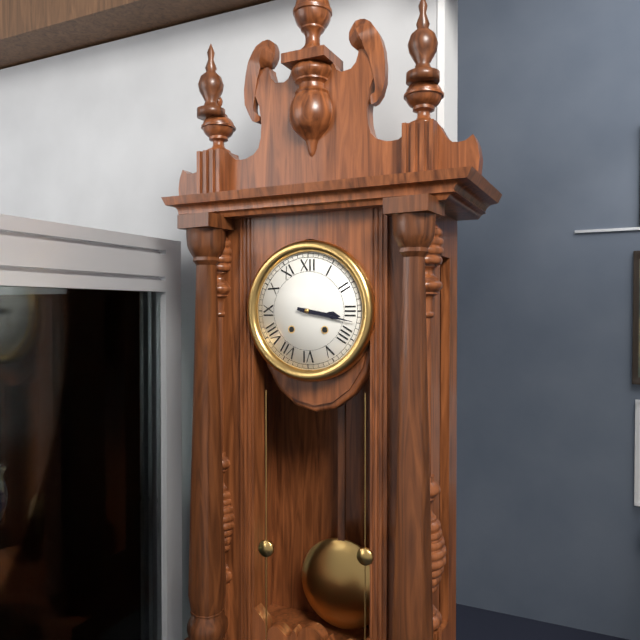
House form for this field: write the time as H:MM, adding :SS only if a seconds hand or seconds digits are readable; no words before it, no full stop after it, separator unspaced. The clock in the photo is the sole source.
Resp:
3:17
